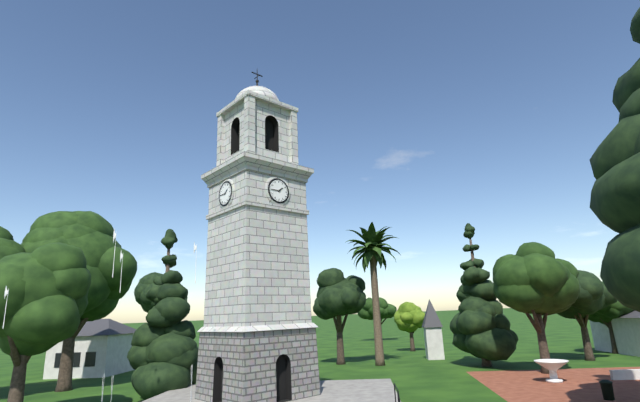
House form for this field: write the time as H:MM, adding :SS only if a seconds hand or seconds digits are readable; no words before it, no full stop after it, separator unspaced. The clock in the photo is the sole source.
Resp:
1:45
